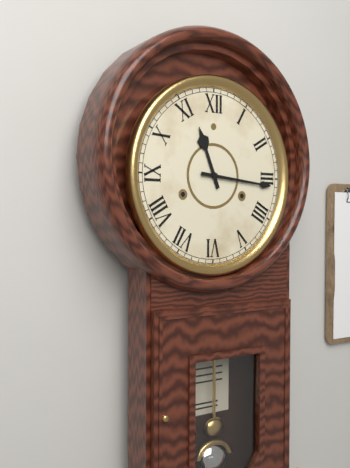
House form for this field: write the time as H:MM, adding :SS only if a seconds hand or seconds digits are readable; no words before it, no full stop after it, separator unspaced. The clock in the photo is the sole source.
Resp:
11:16
